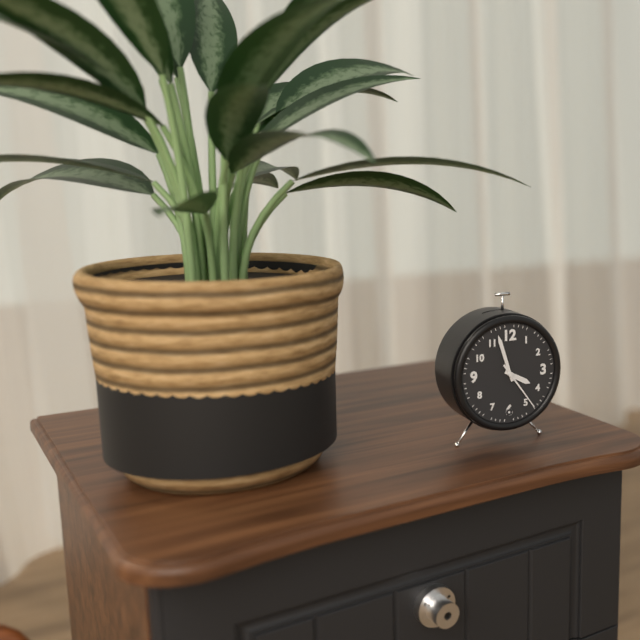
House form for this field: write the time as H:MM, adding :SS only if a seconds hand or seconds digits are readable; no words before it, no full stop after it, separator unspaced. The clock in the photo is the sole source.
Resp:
3:57:24
